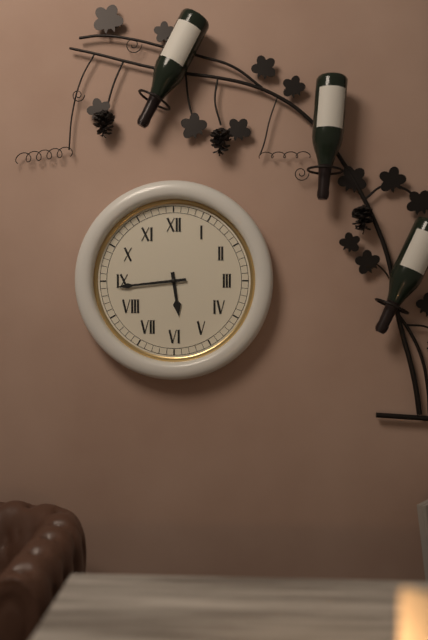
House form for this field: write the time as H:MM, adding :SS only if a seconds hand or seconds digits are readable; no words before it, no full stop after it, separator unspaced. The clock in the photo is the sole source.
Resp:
5:44
